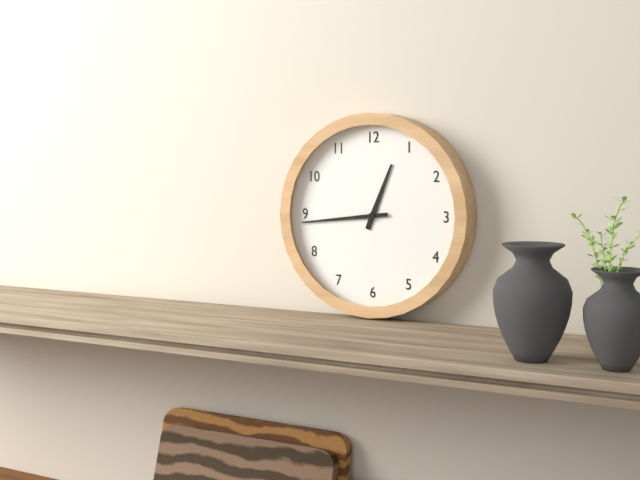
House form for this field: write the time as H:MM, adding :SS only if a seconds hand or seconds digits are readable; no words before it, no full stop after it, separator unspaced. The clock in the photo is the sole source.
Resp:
12:44
